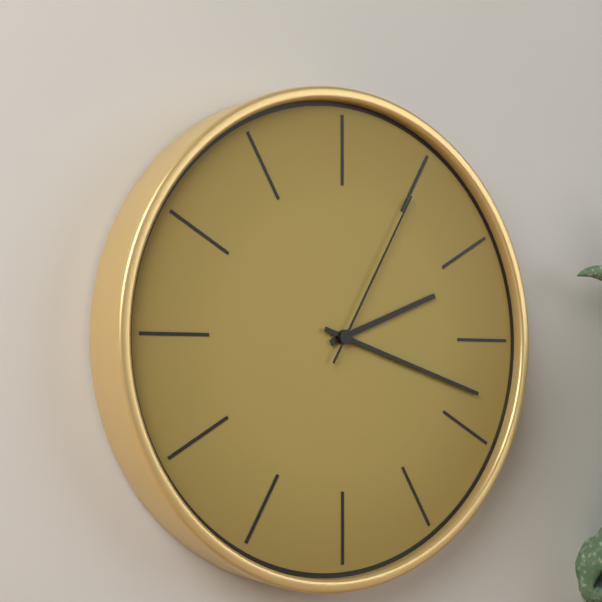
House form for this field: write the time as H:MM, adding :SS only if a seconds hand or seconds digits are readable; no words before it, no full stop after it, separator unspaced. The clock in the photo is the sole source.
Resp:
2:18:05
